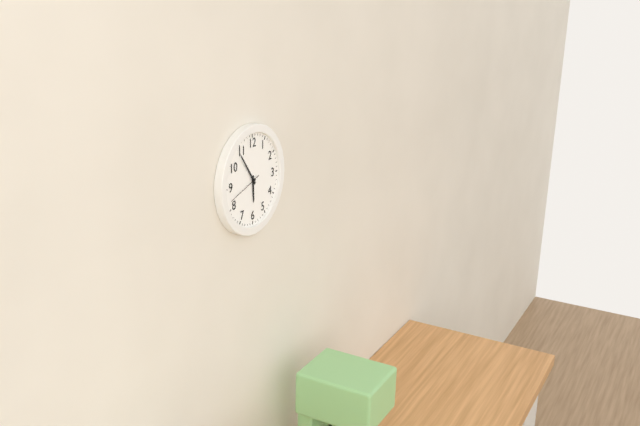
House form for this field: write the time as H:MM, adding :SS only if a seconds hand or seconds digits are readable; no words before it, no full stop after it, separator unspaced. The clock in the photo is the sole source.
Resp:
5:54
